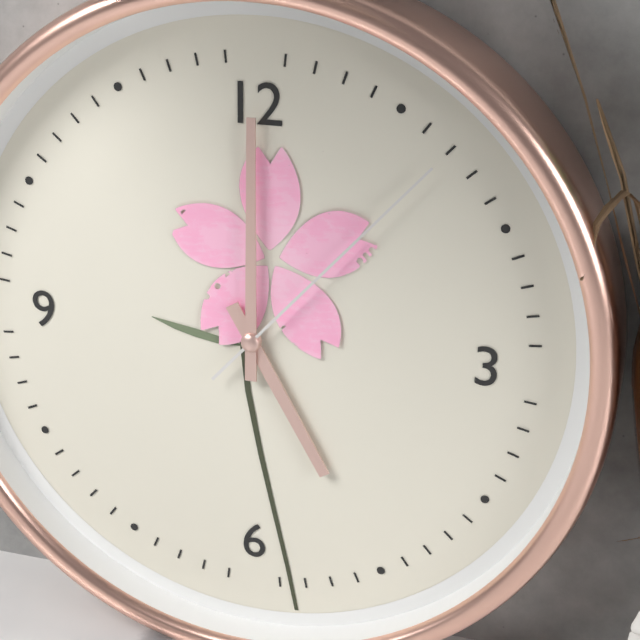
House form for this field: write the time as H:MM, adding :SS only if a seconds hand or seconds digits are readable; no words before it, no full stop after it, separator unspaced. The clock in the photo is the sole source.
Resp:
5:00:07
